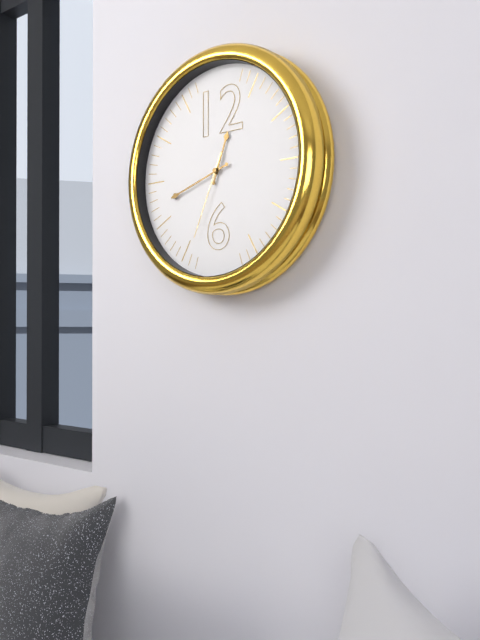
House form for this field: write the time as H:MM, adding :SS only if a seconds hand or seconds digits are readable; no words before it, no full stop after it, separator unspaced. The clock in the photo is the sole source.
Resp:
12:42:34
